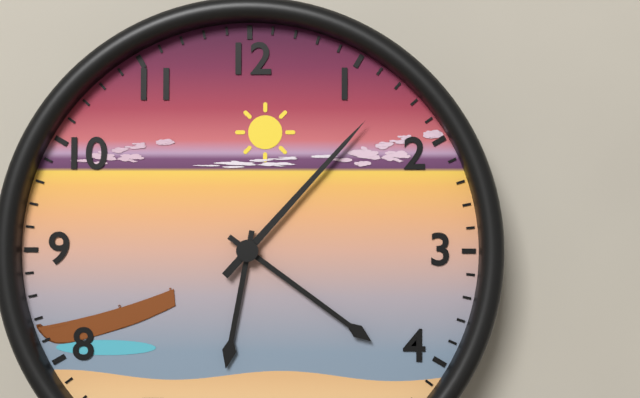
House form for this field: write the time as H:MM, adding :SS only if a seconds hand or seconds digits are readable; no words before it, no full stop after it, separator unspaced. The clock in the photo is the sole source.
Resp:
6:21:07
